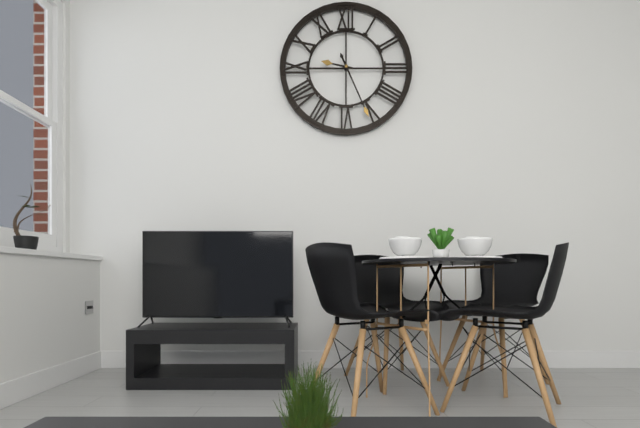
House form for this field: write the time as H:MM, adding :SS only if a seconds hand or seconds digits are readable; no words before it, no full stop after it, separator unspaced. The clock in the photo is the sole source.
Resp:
9:26
